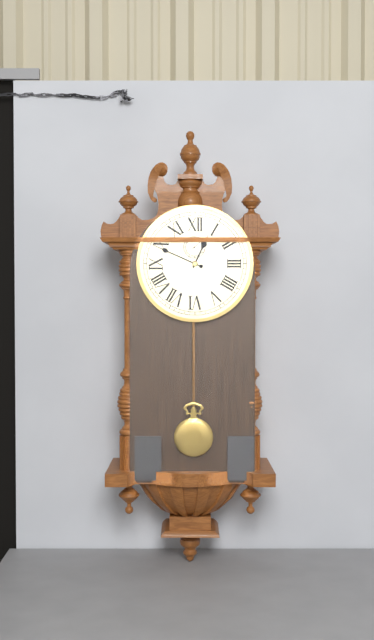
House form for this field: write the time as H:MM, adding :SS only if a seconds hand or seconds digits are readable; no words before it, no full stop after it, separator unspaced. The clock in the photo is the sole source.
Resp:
12:49
